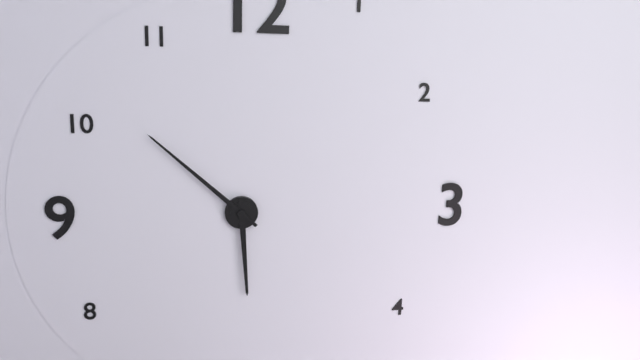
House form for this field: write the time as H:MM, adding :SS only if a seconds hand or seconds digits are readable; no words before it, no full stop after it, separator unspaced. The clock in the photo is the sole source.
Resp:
5:52
